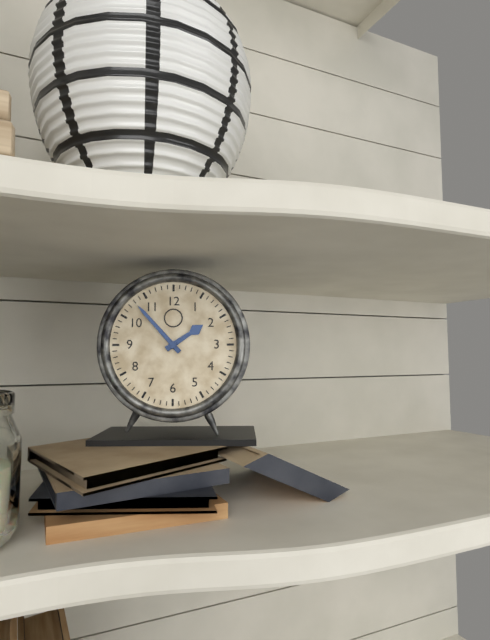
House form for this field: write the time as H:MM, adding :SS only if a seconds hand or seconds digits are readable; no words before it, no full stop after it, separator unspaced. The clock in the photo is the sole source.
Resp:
1:53
